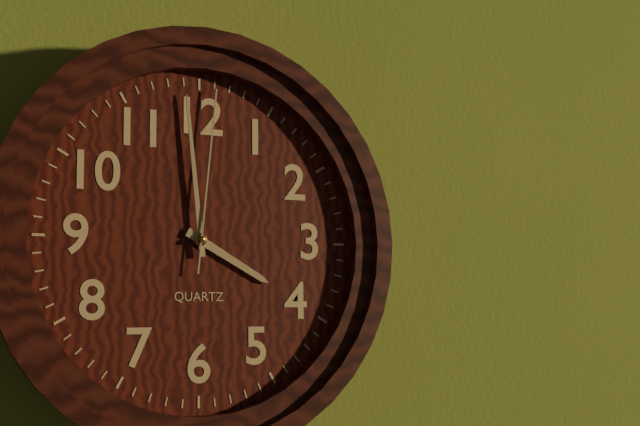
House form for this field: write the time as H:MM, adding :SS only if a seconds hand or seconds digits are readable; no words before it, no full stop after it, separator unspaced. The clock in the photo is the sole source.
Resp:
3:59:01
